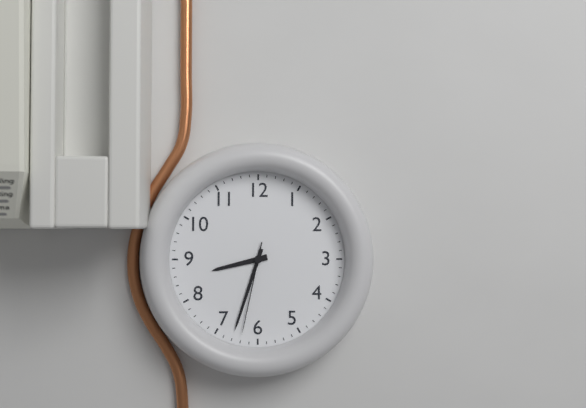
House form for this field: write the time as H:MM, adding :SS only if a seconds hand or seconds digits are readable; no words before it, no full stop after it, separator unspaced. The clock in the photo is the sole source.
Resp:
8:33:32
